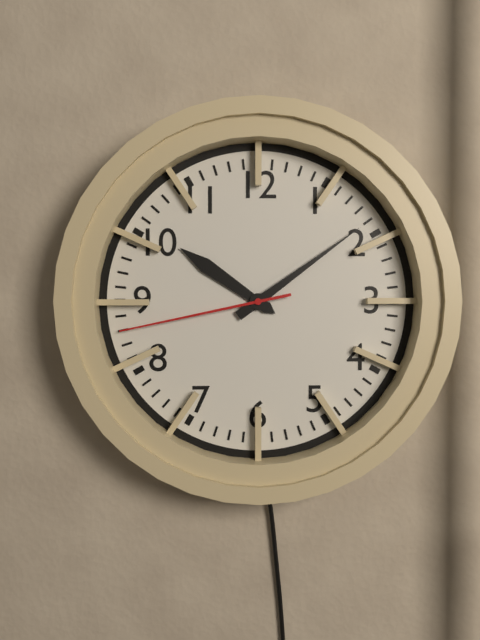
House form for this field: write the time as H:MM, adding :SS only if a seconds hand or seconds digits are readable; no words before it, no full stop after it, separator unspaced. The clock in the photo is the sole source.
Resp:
10:09:43
